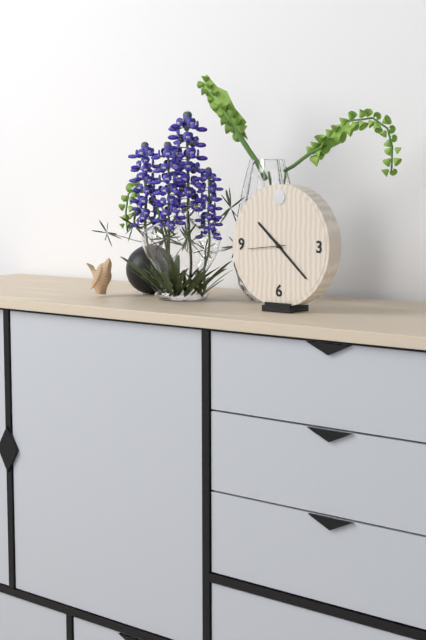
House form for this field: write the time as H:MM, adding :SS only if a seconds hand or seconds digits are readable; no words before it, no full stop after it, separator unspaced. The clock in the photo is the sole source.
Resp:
10:22
